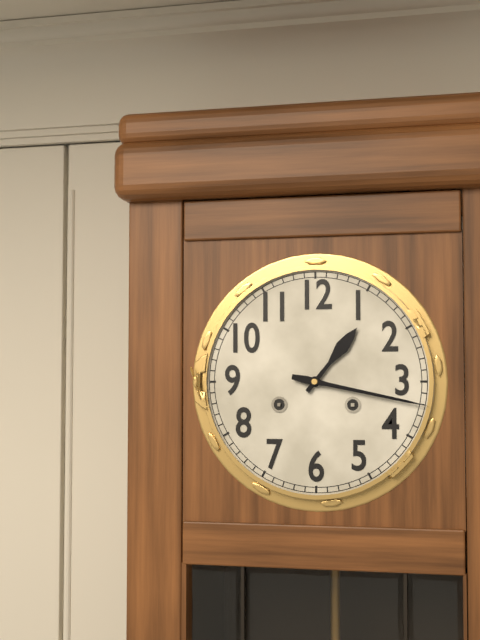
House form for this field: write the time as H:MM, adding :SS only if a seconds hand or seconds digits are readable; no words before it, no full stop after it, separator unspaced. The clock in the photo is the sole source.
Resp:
1:17
